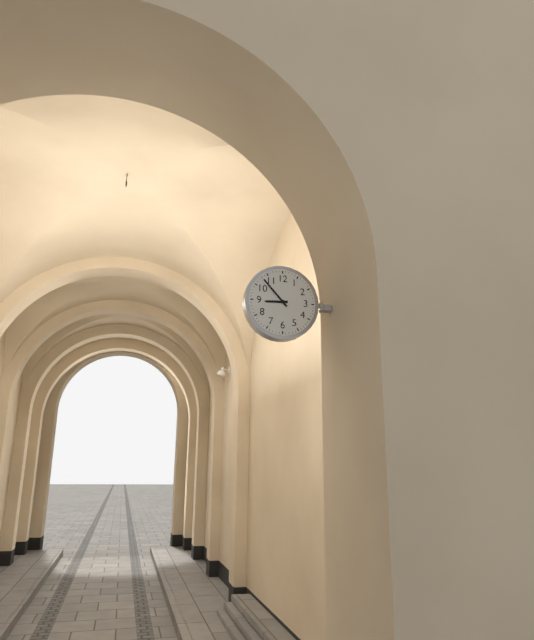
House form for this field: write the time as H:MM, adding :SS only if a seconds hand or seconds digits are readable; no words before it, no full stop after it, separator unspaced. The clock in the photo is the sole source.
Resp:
8:53
